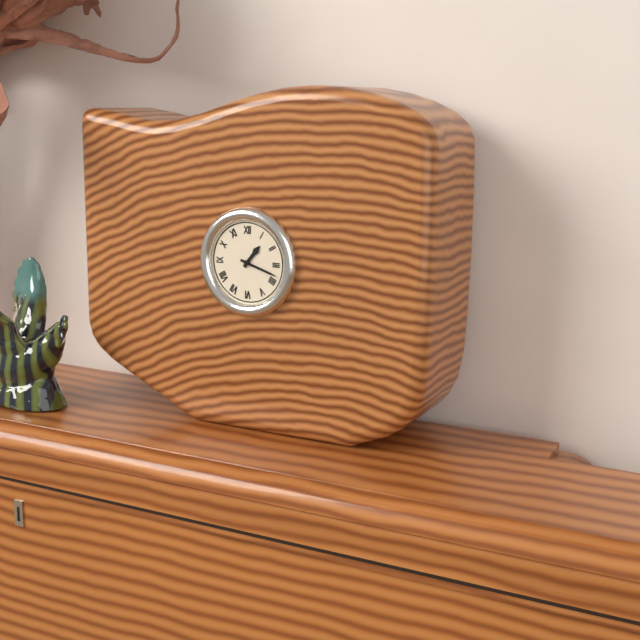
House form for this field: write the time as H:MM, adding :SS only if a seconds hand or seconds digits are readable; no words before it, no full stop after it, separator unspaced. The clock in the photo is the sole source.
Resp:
1:18
